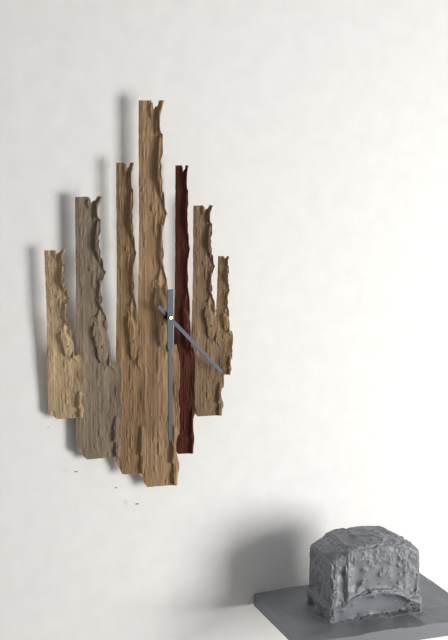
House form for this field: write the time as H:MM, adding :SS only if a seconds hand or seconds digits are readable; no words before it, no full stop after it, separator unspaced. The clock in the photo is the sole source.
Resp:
4:30
